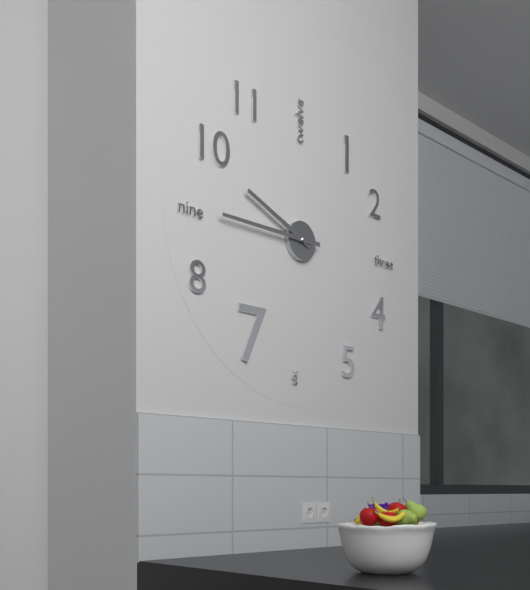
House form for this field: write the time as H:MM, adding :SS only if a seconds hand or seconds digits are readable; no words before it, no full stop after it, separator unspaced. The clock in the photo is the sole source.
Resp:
9:45
